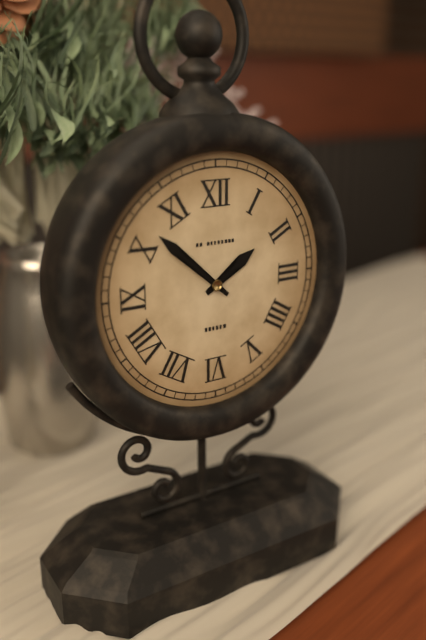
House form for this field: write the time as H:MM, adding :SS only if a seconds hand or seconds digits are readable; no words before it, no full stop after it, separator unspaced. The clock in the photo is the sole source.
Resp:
1:52
